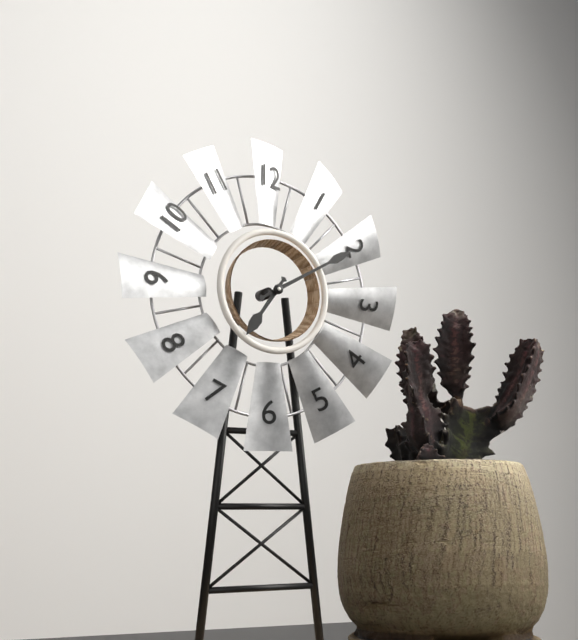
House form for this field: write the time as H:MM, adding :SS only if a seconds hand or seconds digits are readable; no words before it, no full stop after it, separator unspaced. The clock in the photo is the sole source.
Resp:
7:10
